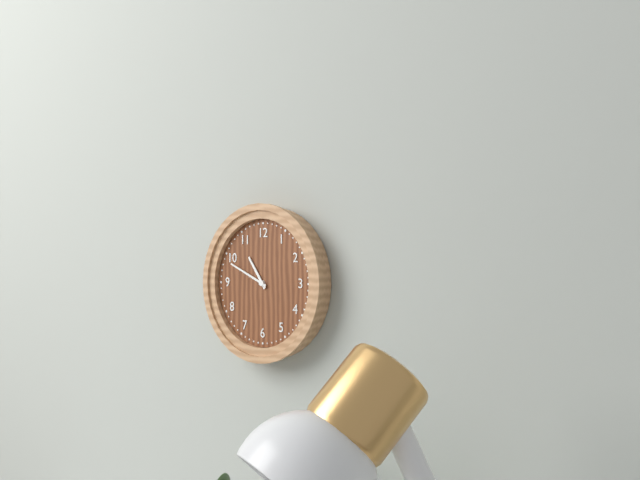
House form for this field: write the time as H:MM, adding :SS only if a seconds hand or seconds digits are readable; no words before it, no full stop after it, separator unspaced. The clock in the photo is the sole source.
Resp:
10:49
